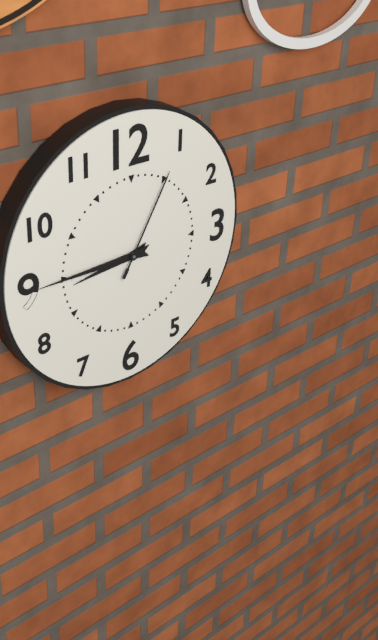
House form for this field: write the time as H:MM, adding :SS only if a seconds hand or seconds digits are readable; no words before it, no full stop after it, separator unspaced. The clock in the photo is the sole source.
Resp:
8:45:05
